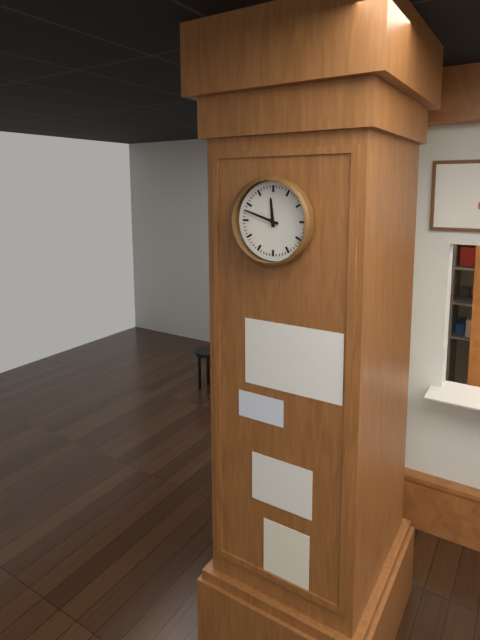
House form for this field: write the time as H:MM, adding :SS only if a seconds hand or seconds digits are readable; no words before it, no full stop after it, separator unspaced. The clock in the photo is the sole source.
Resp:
11:48
